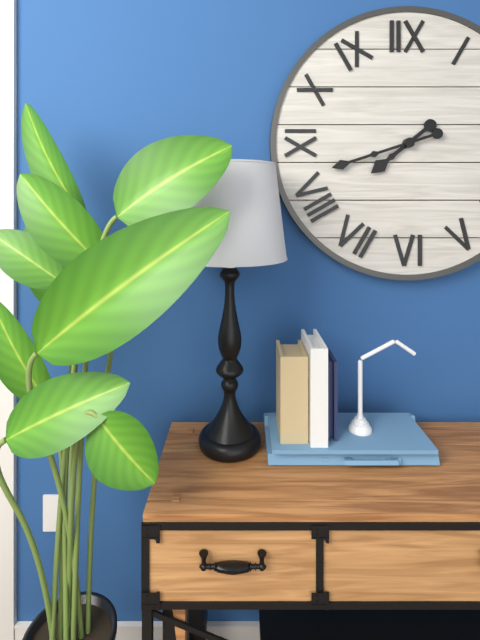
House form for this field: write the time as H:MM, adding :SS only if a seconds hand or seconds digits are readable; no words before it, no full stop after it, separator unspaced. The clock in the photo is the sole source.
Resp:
7:42
